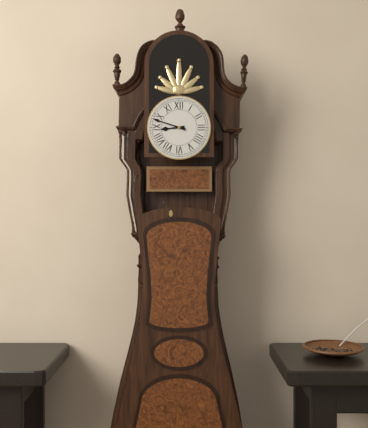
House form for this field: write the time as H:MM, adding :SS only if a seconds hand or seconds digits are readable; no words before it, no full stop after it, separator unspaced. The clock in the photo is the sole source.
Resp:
8:48
